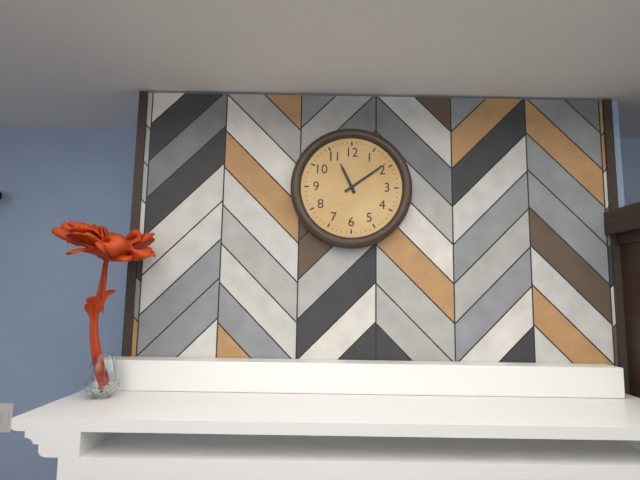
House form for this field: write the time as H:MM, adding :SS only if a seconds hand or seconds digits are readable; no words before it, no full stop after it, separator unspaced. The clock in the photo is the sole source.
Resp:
11:09
